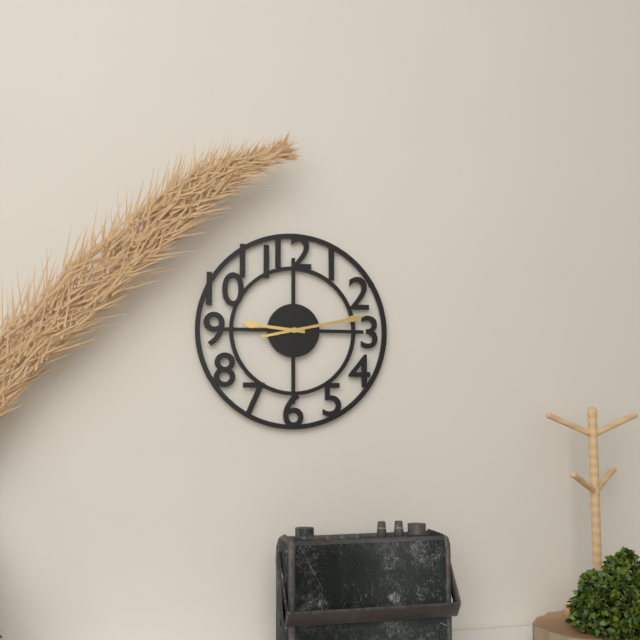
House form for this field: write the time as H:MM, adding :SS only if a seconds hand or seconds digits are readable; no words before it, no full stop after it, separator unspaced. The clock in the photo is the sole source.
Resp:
9:13
